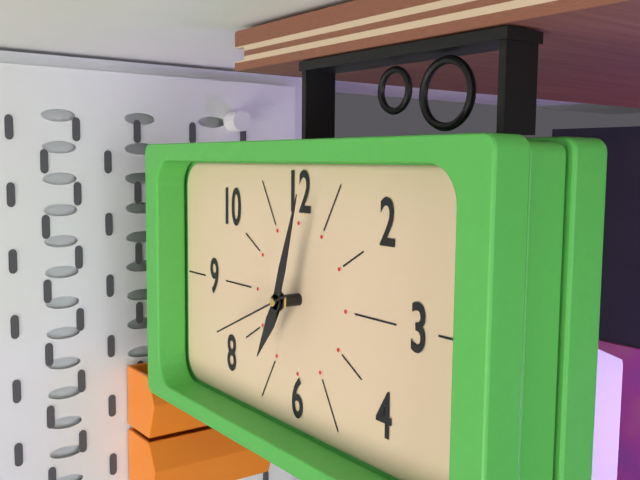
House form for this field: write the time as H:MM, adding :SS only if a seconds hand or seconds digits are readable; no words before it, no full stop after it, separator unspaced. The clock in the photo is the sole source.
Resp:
7:03:41
